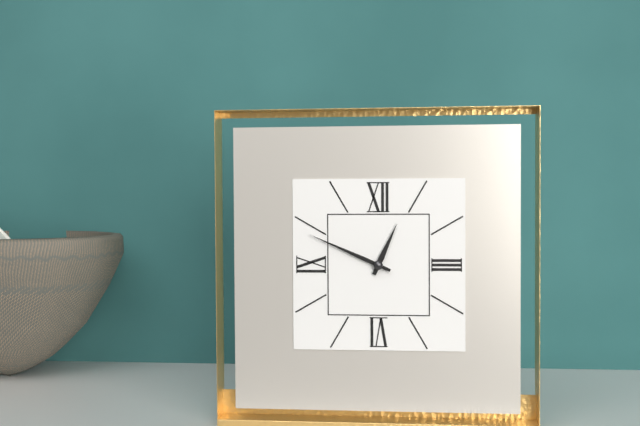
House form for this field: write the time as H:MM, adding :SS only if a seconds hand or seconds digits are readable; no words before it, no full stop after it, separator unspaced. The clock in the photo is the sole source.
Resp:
12:49
